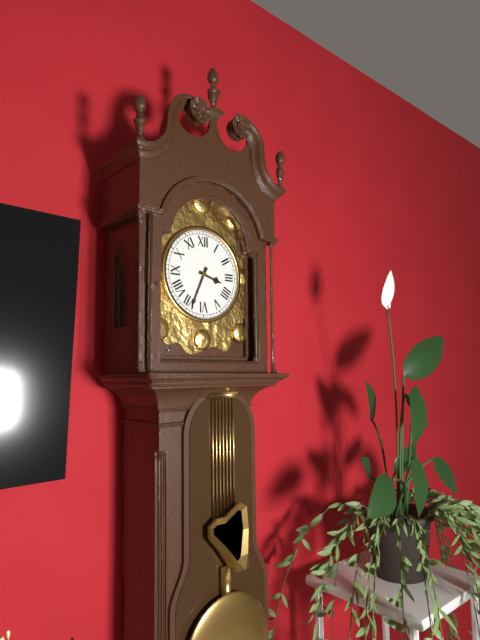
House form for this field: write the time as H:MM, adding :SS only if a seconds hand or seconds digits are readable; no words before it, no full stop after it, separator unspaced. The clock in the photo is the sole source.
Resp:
3:34
